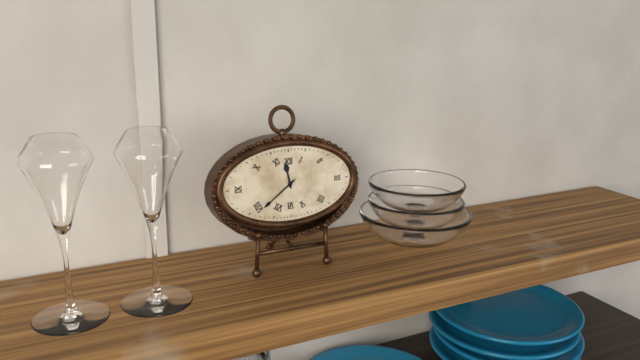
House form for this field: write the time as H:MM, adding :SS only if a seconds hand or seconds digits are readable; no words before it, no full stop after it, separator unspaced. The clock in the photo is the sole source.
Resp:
11:39
